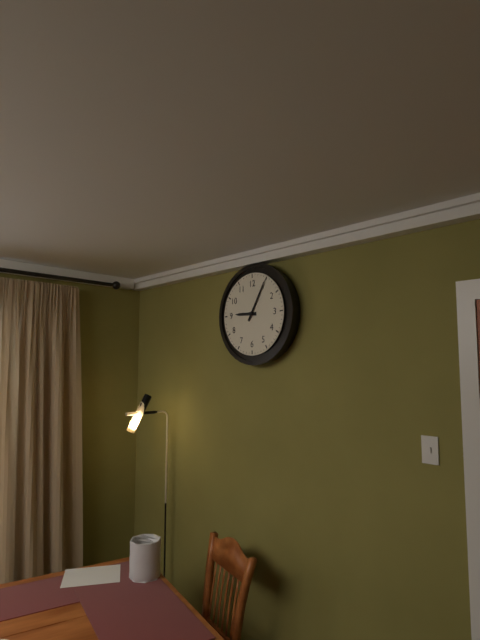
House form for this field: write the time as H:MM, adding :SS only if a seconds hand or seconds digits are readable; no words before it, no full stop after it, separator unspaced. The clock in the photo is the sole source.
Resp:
9:05
